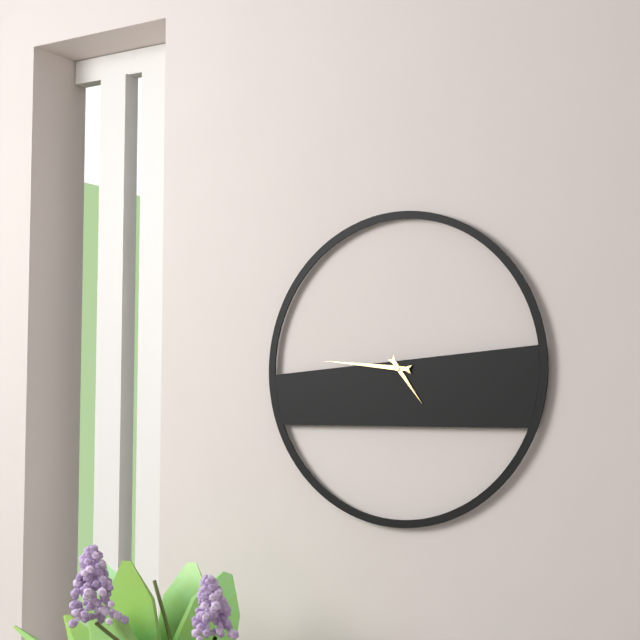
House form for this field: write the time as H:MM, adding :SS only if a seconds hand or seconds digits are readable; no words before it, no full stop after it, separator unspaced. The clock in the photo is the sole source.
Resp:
4:46
